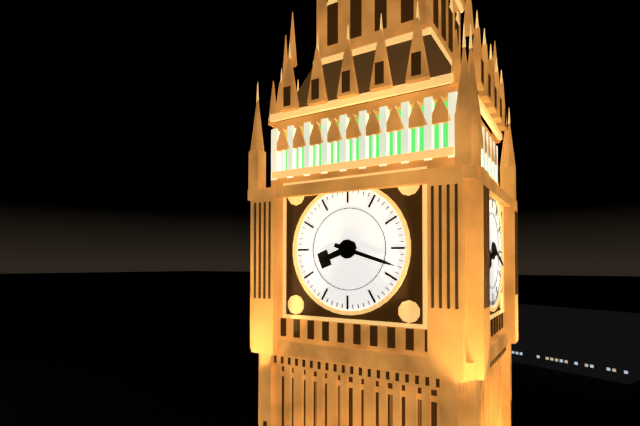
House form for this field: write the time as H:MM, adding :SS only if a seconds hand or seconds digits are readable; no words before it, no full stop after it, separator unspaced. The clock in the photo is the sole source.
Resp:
8:18
